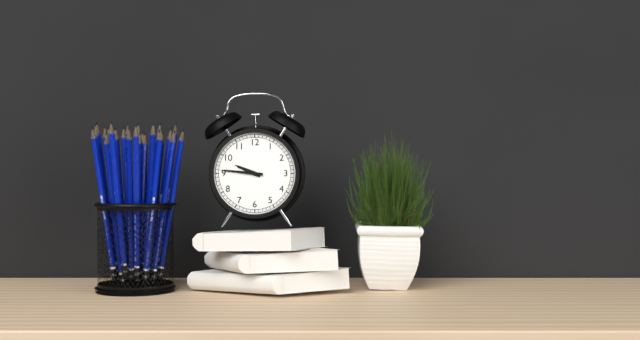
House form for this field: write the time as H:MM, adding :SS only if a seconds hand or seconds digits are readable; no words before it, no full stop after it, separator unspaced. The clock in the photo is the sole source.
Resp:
9:46
